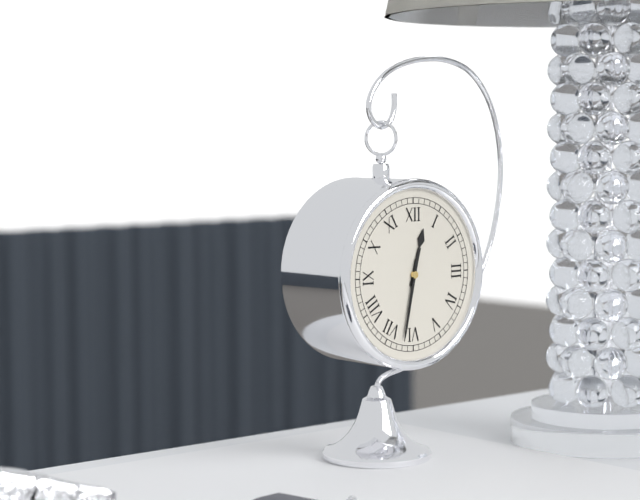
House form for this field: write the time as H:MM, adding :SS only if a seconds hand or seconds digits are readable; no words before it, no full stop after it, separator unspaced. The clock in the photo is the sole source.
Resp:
12:32
